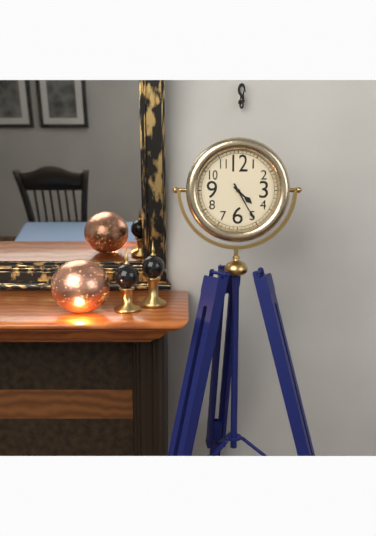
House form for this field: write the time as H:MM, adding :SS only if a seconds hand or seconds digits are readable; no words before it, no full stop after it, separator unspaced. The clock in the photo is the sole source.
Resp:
4:25
